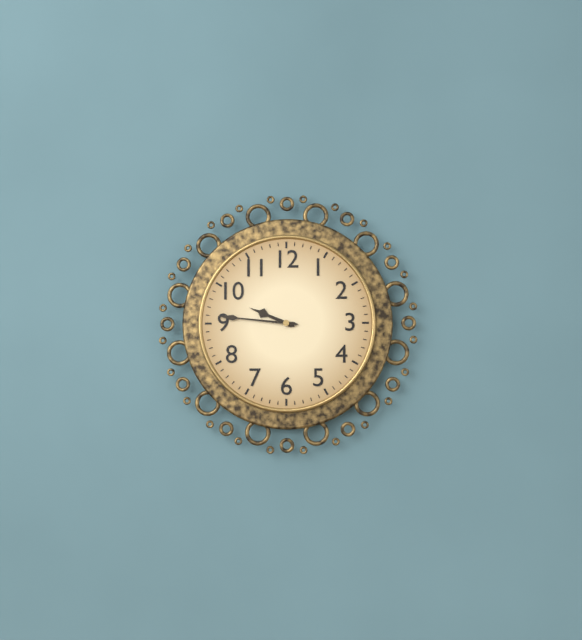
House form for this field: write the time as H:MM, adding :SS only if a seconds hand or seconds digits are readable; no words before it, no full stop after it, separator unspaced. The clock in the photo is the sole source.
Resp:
9:46
